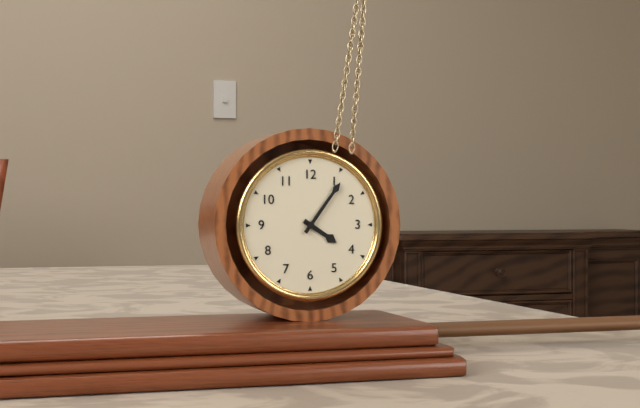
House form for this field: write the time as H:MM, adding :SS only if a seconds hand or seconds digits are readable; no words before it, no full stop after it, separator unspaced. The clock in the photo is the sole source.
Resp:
4:06
